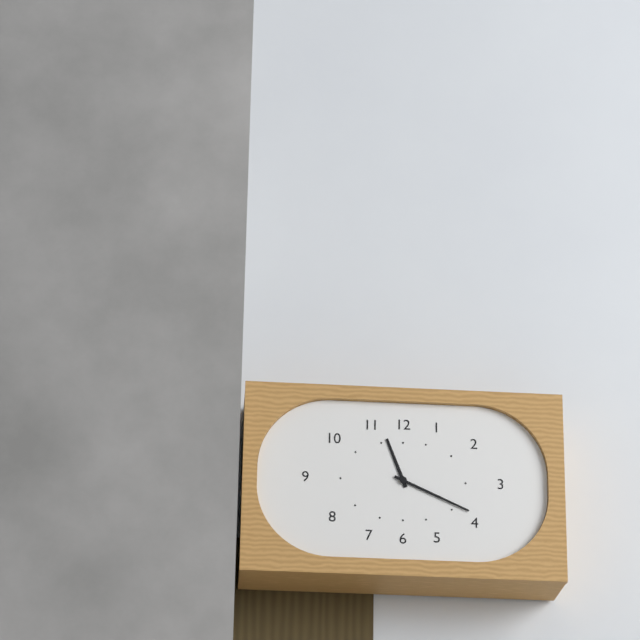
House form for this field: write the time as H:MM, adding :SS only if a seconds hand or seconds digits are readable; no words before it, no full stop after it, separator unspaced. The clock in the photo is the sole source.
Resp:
11:19
